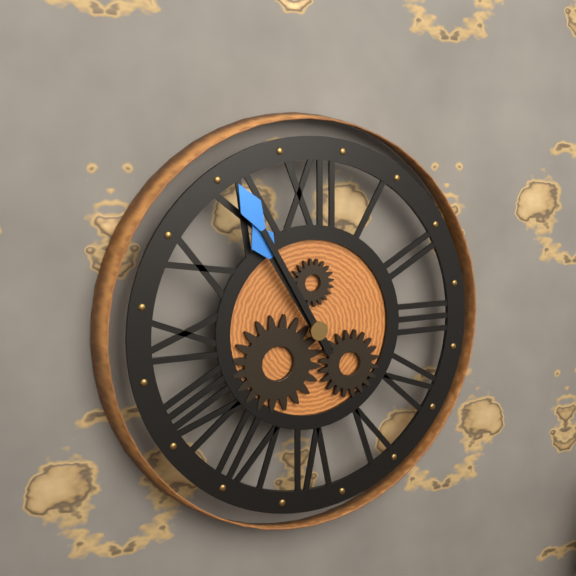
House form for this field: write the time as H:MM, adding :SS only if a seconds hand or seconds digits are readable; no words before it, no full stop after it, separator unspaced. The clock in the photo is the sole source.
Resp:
10:55
